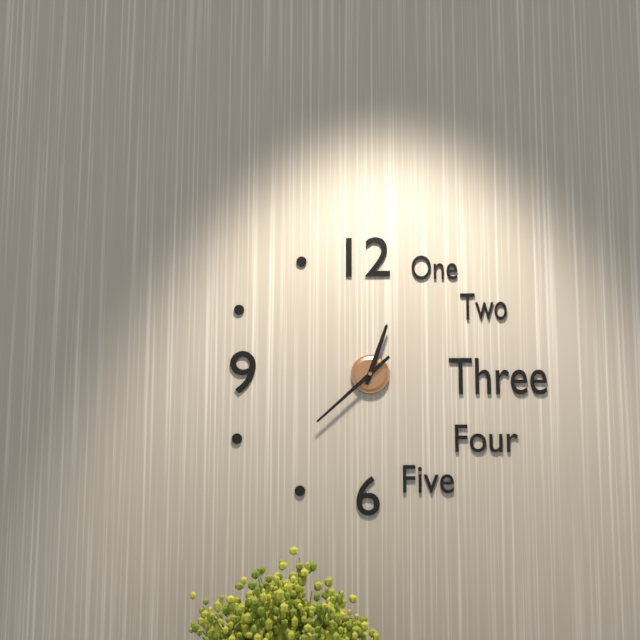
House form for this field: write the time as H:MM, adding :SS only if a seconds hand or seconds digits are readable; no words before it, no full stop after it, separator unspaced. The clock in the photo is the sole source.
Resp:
12:38
